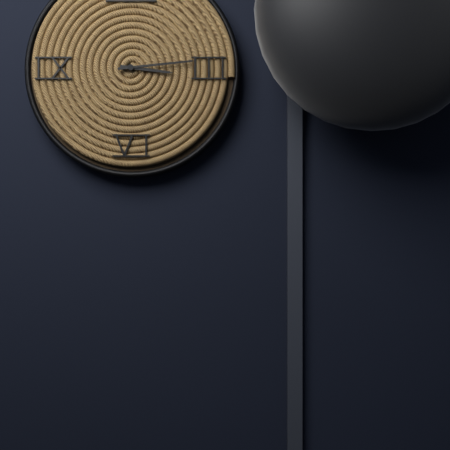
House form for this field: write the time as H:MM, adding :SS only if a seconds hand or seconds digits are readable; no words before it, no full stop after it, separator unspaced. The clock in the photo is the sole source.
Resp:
3:14
